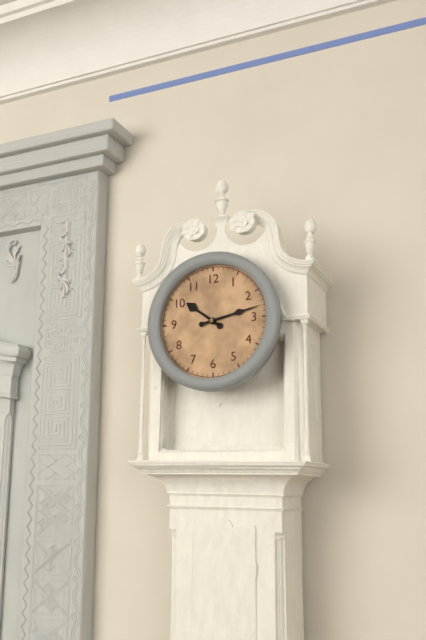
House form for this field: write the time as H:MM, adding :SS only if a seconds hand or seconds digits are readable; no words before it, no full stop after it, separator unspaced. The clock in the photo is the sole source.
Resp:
10:13
